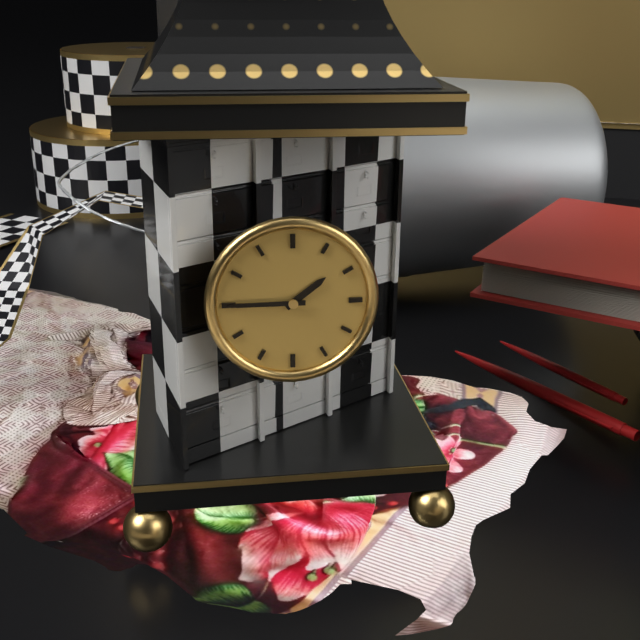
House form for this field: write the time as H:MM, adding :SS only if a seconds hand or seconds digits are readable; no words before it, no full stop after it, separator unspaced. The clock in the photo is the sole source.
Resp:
1:45
